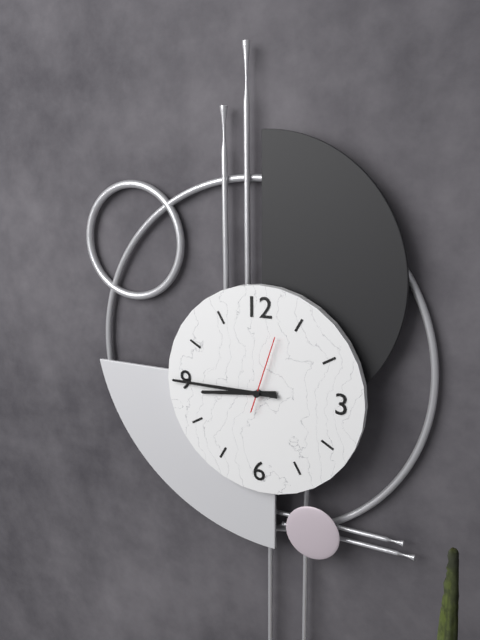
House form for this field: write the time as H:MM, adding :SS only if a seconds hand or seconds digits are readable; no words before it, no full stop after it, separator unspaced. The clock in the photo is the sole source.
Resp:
8:45:03
